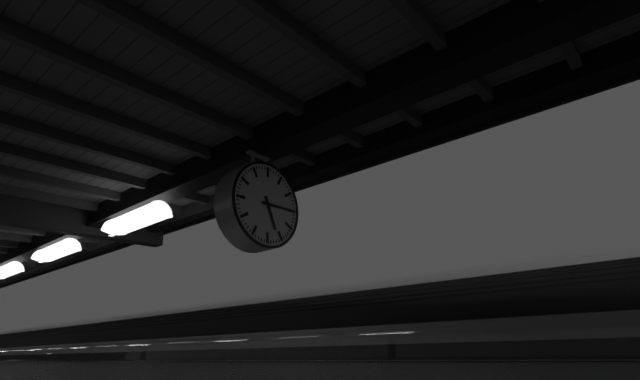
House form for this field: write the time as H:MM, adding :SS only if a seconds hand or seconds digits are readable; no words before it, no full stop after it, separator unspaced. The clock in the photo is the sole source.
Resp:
5:15
